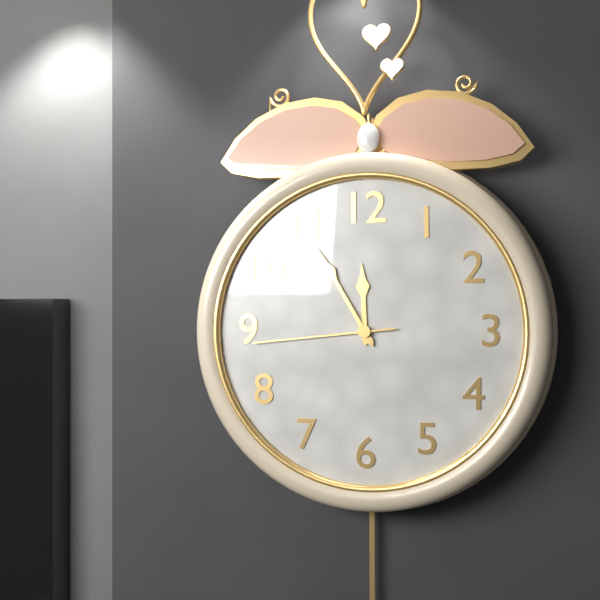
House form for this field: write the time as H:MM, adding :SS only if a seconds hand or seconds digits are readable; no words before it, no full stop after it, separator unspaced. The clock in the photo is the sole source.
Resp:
11:55:44
